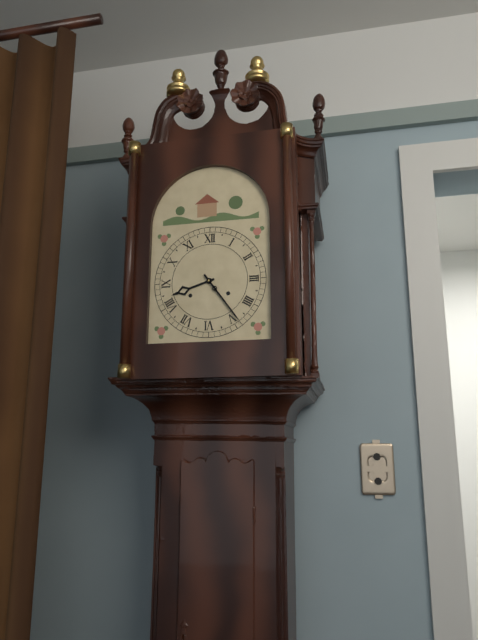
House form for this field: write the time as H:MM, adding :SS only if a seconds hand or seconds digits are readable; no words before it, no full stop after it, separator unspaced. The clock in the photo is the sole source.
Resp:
8:24
